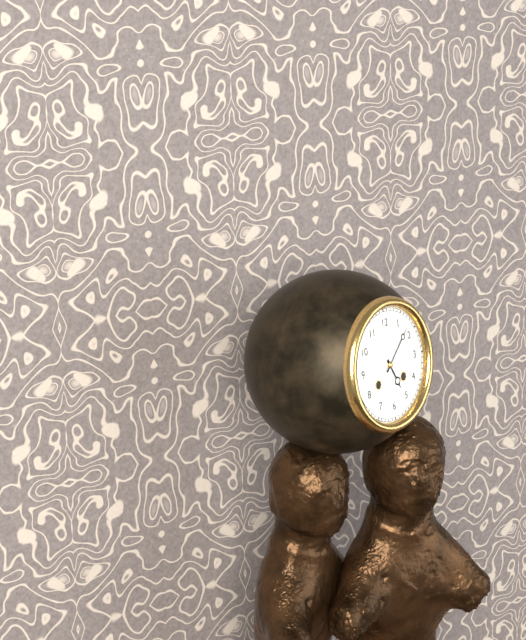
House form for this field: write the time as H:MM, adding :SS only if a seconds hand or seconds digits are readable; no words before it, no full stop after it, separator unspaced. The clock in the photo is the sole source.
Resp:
5:08
